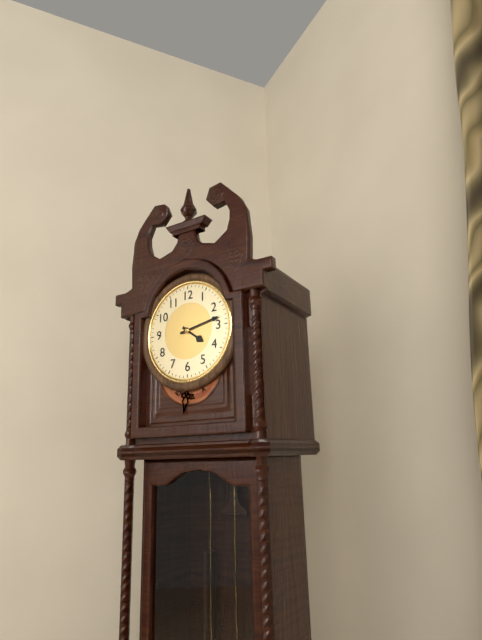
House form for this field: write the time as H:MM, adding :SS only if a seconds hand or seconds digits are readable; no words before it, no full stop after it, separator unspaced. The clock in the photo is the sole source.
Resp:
4:13
